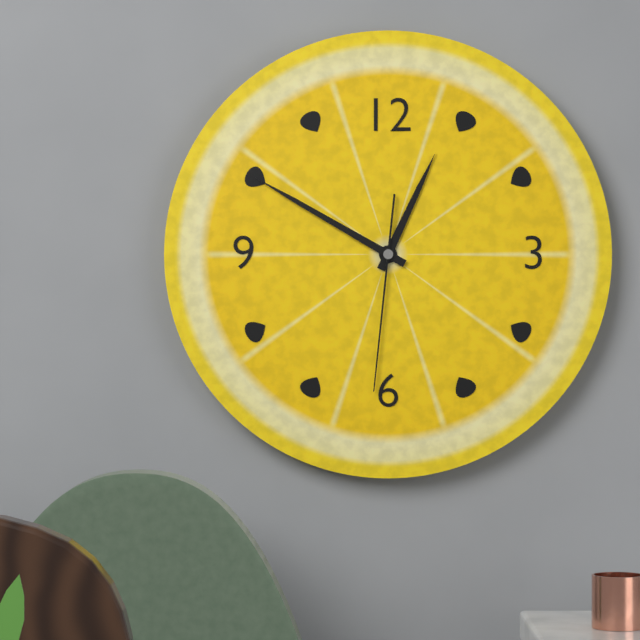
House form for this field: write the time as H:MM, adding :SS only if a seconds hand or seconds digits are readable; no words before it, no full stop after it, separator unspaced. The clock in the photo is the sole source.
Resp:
12:50:31
